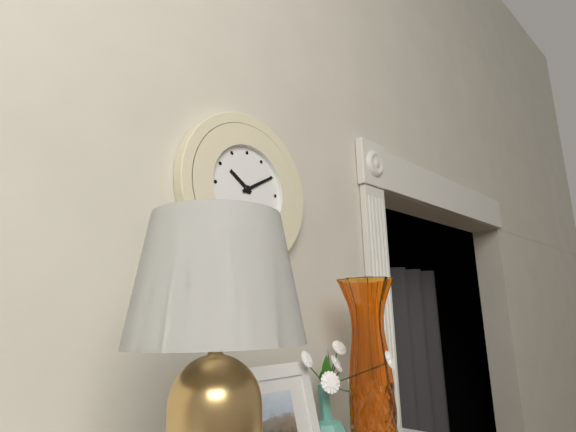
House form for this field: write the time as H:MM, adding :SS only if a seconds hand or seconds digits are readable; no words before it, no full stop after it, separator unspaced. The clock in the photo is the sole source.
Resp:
10:10
